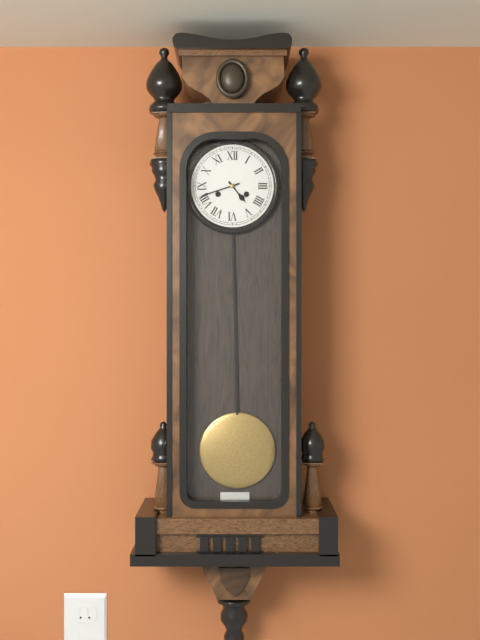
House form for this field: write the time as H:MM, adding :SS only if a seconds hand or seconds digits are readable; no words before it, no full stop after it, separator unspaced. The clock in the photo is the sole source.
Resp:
4:42
